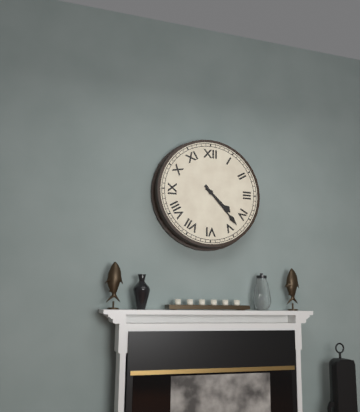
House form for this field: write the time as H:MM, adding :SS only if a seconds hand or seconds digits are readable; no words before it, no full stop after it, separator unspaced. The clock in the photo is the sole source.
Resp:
4:23
